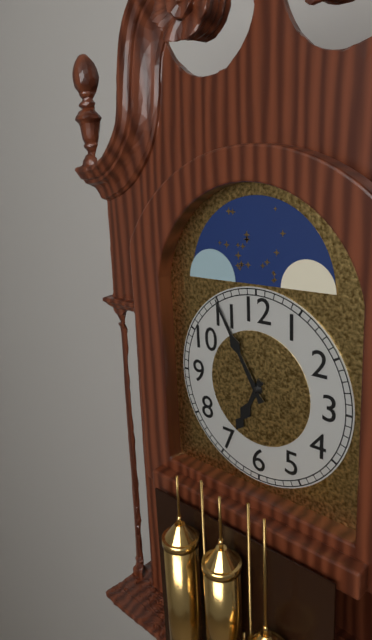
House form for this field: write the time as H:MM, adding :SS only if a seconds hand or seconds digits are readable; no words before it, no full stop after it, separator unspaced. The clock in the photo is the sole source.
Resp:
6:55
